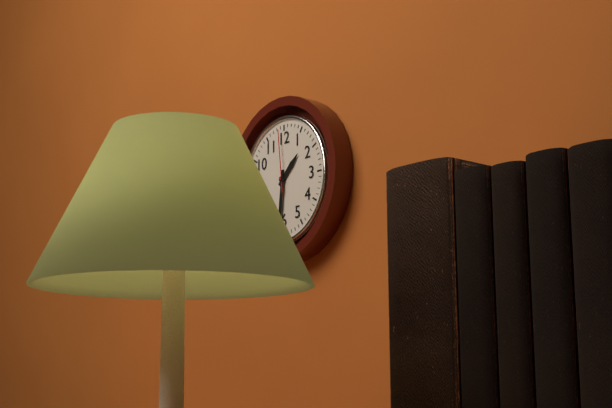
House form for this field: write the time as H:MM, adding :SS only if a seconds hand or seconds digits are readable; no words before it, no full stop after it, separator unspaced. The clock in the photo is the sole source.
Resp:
1:31:59
